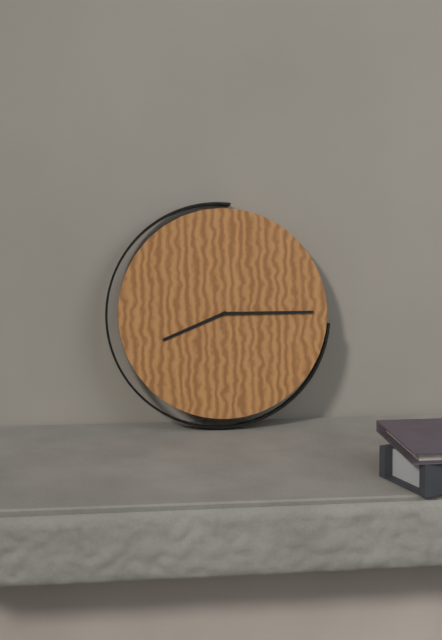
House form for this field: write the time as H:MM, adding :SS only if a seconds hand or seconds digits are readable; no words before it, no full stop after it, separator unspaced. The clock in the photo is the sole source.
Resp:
8:15
